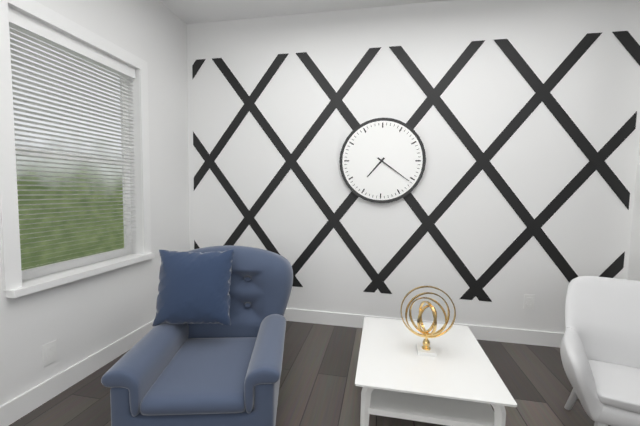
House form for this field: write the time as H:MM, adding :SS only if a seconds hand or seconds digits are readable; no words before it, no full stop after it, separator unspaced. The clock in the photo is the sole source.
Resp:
7:21
